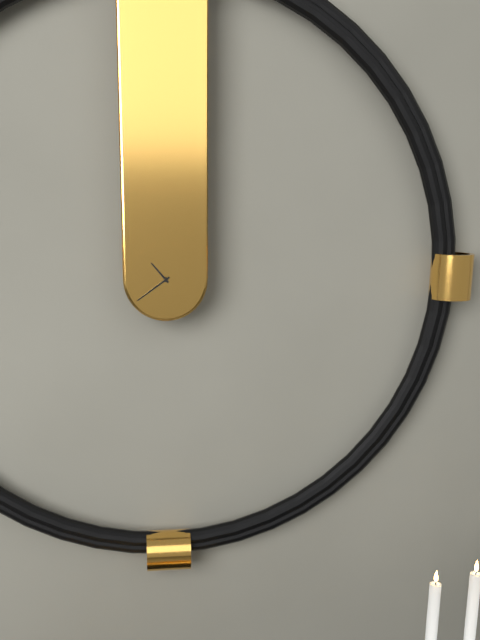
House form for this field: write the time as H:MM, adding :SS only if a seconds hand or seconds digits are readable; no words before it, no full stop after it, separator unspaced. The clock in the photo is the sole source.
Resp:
10:39
